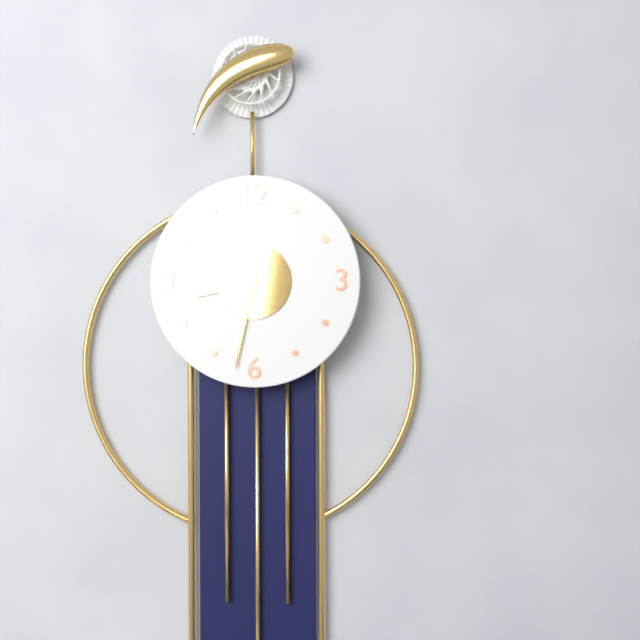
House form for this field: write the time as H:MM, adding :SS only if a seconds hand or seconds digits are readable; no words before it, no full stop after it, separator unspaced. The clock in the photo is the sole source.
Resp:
8:32:43
